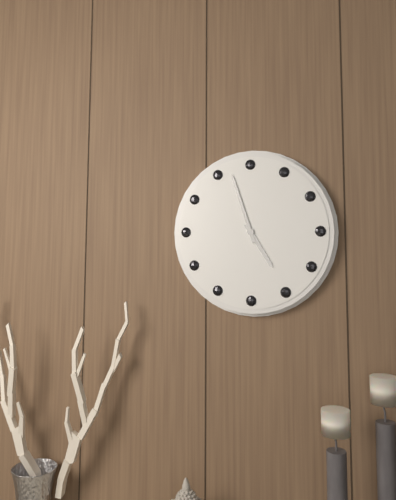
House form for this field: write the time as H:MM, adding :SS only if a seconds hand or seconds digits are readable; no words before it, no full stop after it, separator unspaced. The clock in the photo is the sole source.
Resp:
4:57
